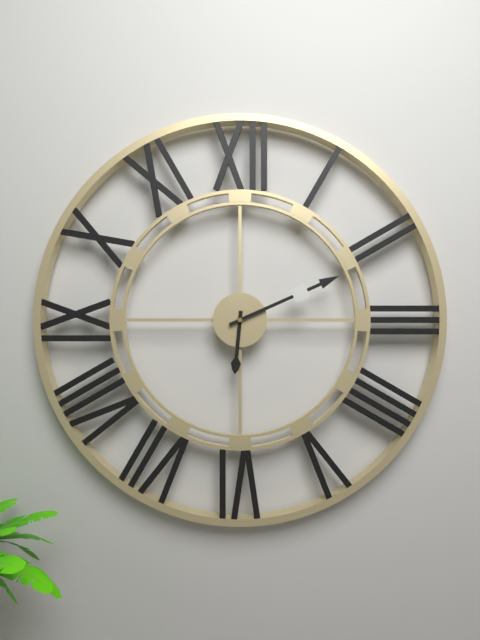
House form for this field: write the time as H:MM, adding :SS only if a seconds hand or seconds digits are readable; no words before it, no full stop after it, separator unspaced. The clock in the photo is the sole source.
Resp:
6:11
